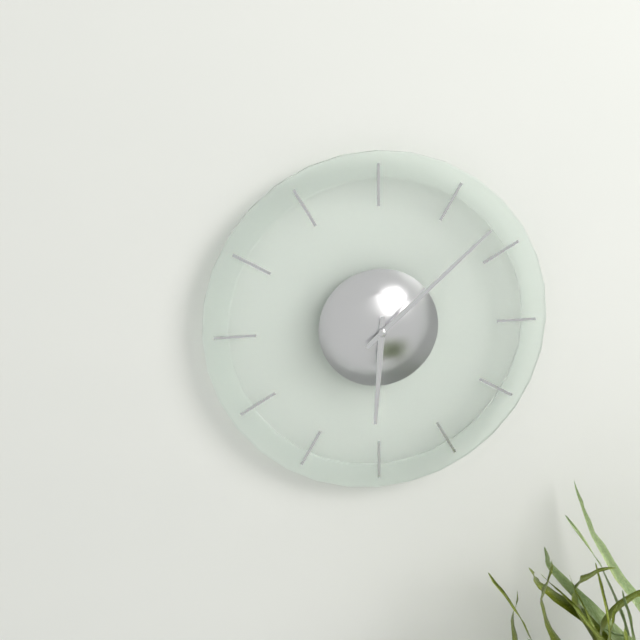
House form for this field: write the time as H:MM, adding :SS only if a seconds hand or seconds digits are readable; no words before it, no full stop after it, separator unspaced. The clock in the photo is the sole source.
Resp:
6:08
